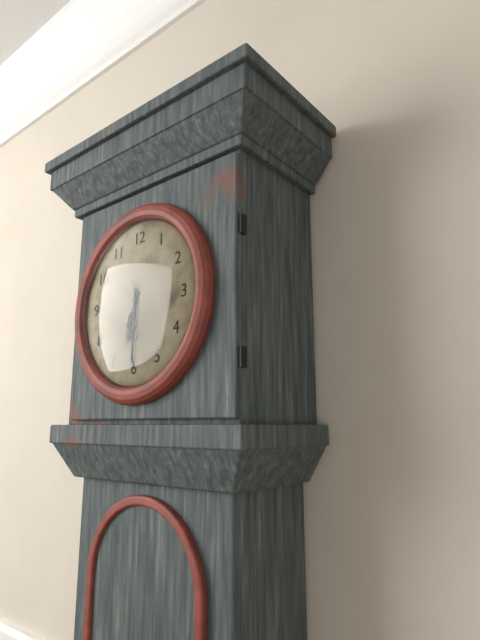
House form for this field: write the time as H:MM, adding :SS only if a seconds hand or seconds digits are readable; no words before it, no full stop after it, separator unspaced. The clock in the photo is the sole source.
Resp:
6:30
